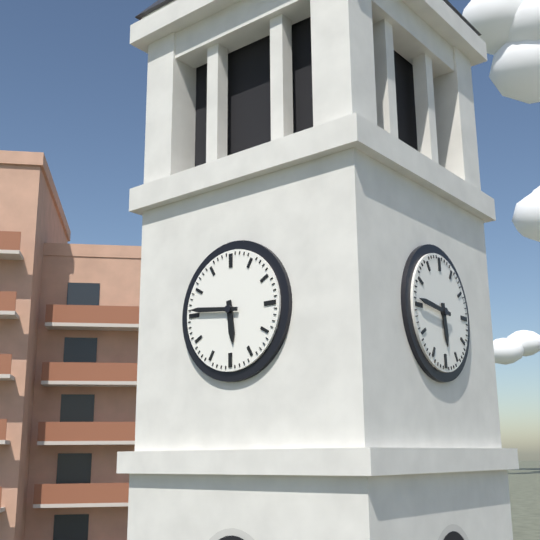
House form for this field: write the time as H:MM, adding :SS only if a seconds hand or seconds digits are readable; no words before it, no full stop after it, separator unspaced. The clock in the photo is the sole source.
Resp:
5:46
